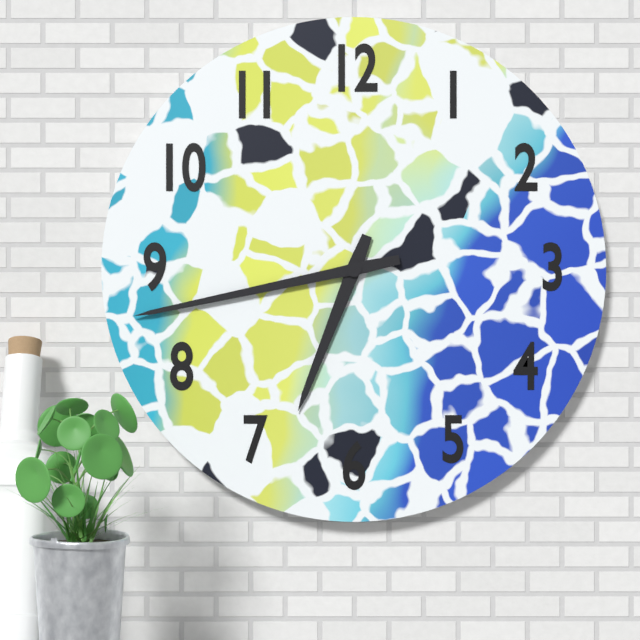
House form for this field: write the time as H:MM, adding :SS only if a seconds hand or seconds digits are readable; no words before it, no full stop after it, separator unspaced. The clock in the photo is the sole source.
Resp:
6:43
